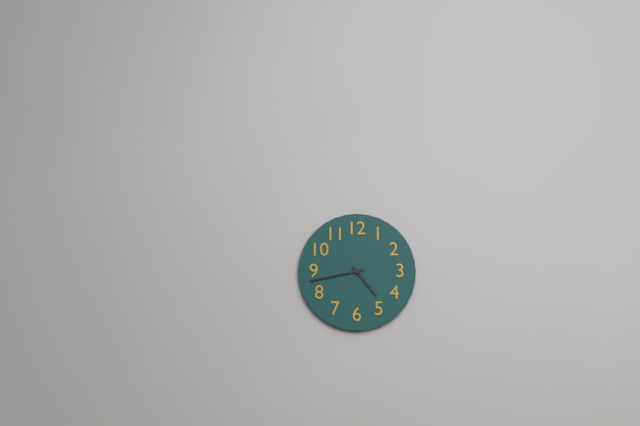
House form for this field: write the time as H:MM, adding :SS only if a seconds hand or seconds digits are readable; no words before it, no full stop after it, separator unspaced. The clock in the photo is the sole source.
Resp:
4:43
